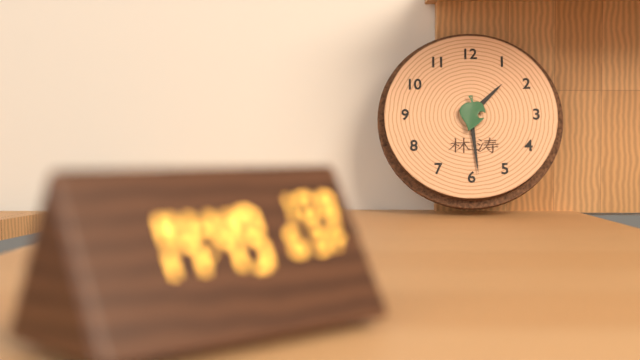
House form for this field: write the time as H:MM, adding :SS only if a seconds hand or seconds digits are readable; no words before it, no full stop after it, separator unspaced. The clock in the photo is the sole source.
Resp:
1:29
